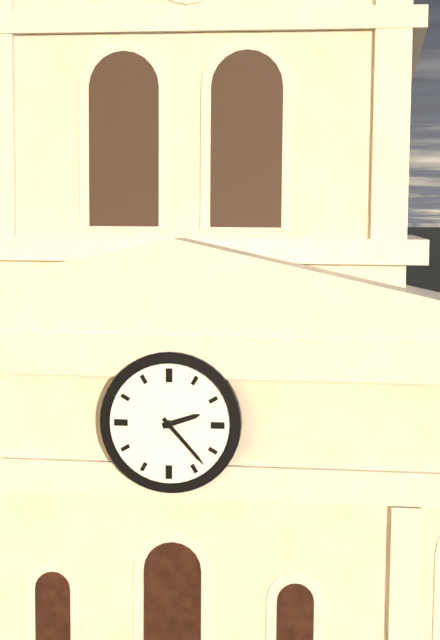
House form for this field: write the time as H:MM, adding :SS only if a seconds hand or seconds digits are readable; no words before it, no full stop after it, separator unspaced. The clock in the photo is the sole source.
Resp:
2:23
